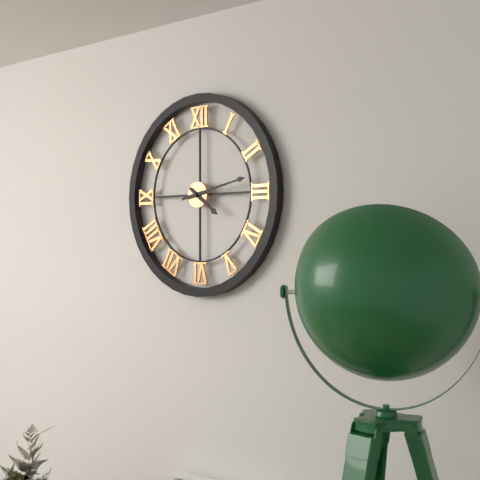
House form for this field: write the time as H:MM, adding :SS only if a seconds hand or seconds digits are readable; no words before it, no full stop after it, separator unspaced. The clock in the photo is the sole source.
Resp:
4:13
